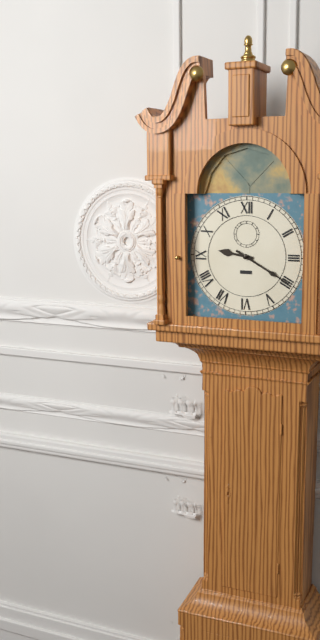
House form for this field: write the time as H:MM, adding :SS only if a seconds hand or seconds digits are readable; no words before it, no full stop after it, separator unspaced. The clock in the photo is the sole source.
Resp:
9:20
